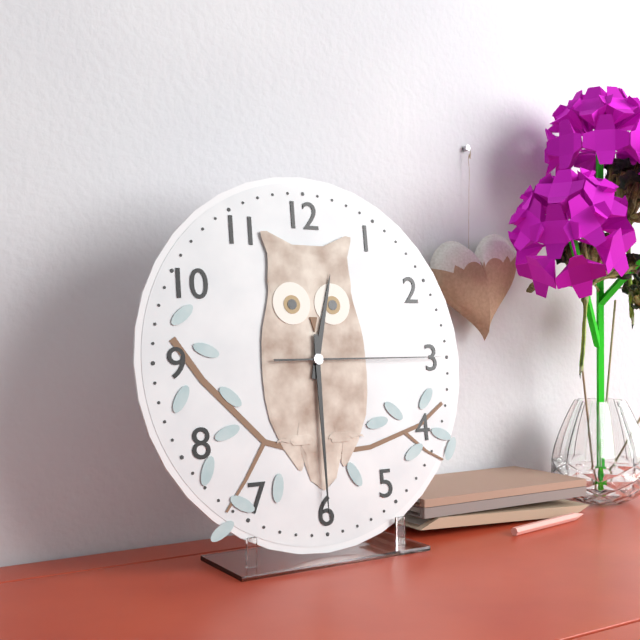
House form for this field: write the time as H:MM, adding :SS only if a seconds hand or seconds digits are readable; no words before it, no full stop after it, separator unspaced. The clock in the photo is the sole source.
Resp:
12:30:15
